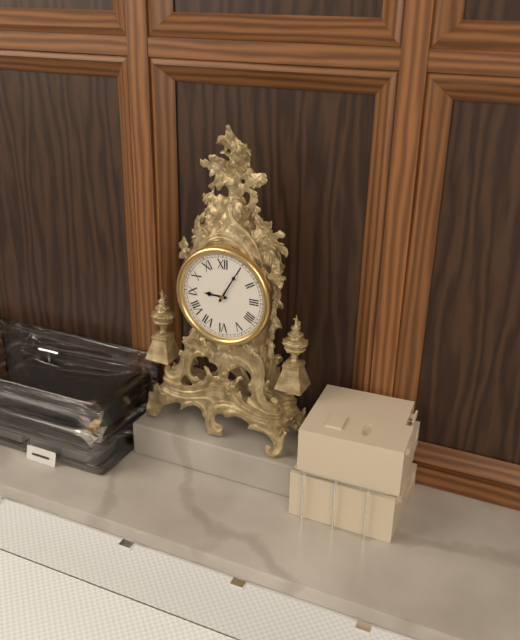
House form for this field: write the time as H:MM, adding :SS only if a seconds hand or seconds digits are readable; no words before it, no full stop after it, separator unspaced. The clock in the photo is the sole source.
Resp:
9:05
